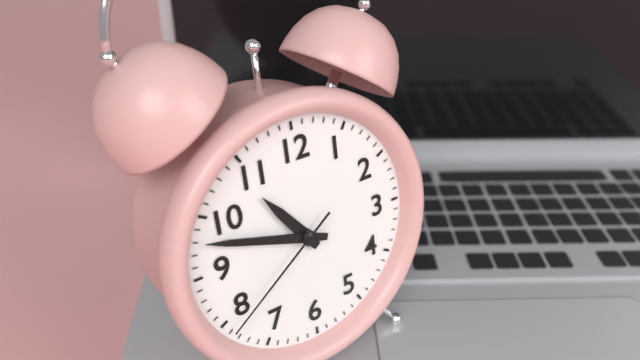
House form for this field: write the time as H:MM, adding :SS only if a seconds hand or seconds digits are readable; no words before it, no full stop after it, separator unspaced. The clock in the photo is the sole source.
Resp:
10:48:39
